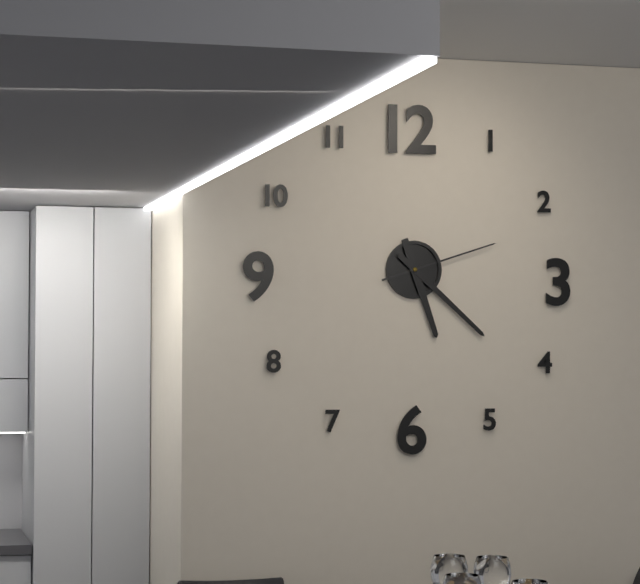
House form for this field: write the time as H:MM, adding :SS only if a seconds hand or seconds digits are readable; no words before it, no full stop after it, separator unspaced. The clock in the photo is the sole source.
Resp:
5:22:12
